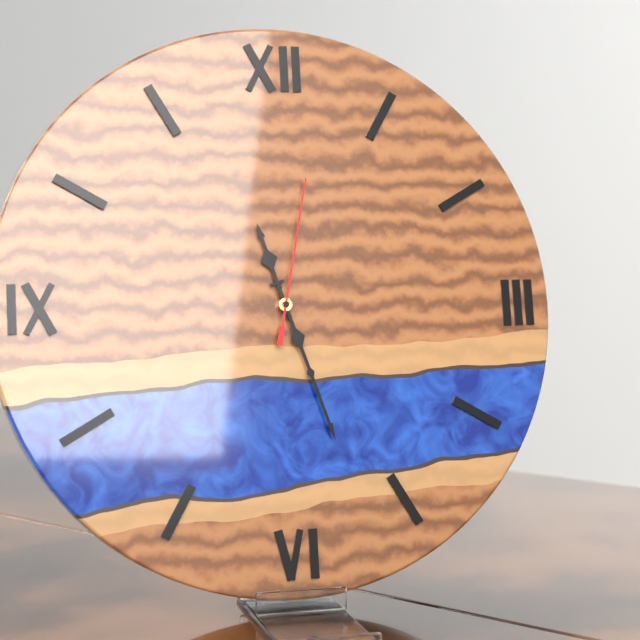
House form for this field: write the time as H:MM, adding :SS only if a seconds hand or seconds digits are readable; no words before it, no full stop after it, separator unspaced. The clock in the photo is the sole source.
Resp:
11:27:02
